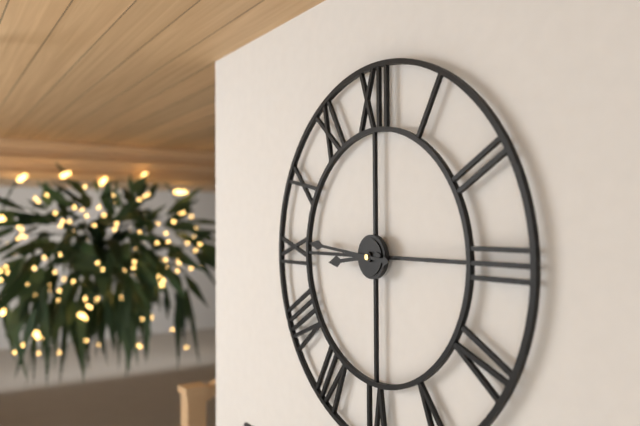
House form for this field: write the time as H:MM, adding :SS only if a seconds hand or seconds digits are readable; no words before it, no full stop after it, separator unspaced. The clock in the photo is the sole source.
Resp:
8:46
